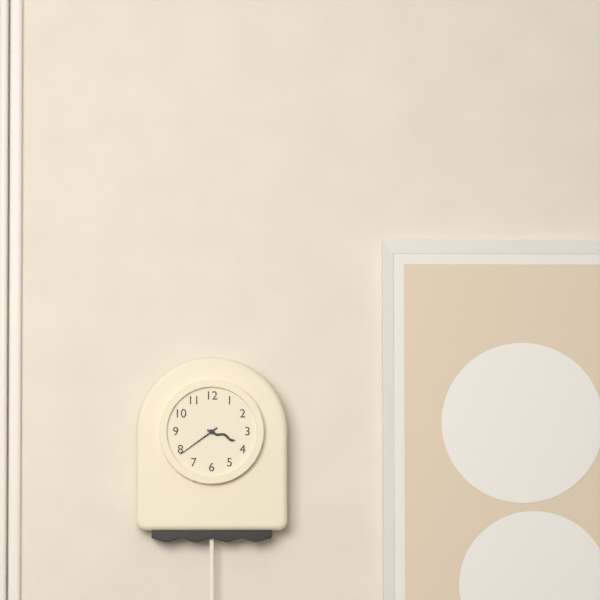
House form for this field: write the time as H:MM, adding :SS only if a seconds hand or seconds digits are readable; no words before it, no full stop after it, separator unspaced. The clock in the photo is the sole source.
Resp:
3:39
